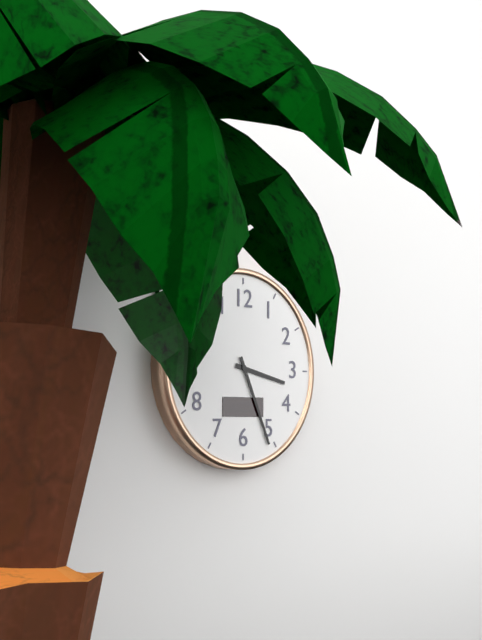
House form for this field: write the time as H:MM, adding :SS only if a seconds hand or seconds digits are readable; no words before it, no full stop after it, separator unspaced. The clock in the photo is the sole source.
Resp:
3:26
